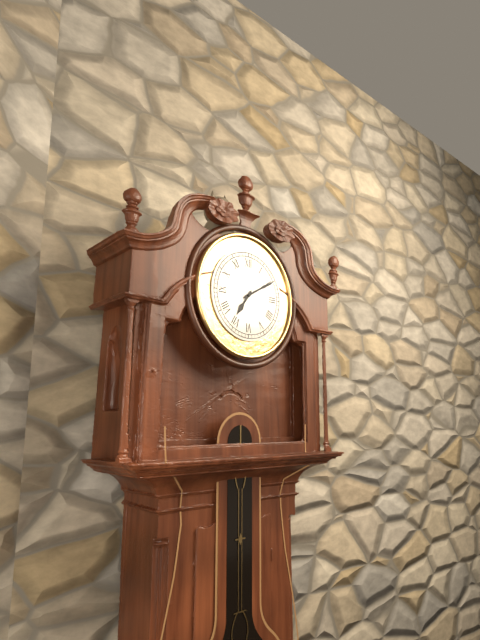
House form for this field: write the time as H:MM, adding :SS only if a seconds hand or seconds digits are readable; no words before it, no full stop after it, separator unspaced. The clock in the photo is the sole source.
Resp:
7:10
